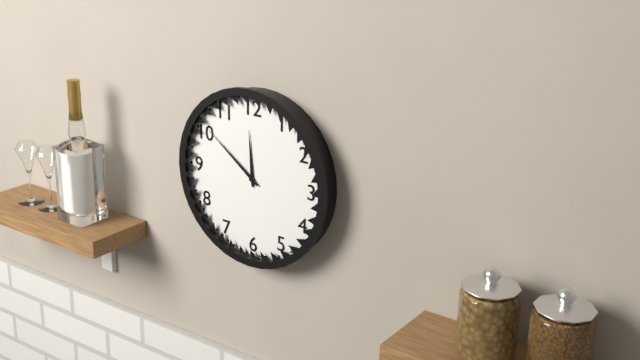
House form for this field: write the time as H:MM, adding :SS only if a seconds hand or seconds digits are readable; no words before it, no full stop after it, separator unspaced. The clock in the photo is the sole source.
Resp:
11:51
